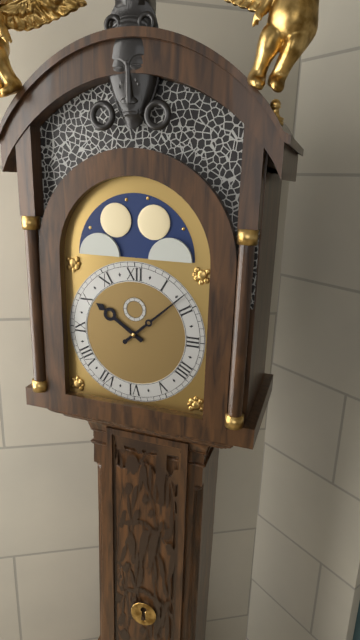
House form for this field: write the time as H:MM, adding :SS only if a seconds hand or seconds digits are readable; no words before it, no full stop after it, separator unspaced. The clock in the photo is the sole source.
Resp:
10:08
